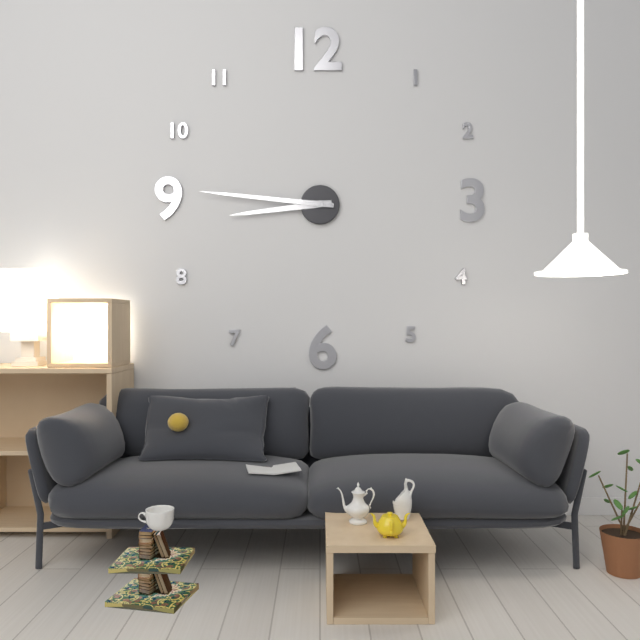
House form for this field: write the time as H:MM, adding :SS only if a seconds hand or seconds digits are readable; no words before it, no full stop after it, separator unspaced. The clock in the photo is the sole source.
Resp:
8:46
